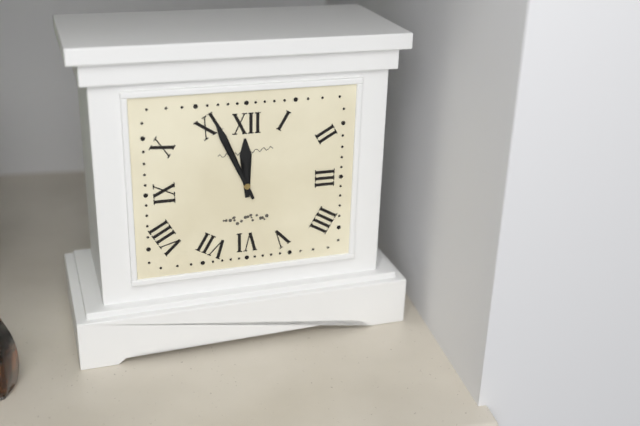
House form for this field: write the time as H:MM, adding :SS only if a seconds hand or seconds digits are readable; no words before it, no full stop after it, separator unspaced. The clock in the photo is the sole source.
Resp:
11:56
